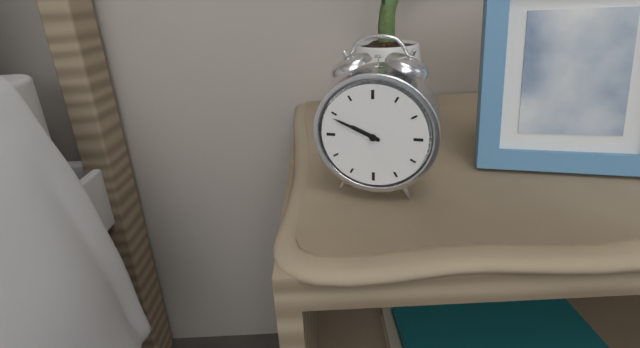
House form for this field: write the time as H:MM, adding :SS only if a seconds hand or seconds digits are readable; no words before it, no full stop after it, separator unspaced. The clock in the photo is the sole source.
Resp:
9:49
